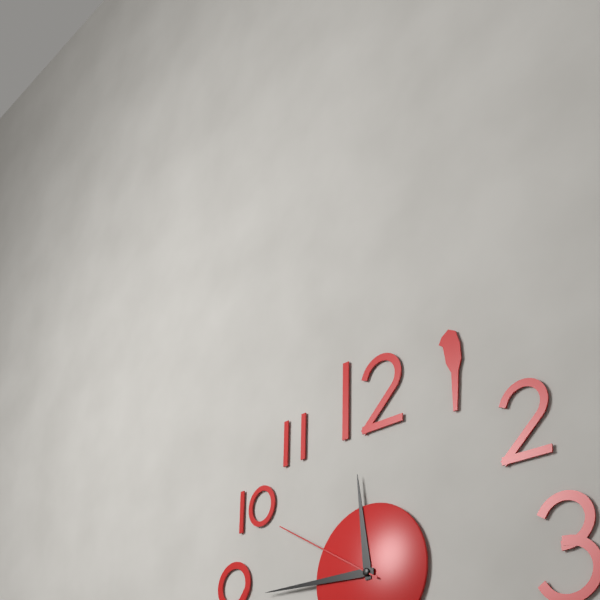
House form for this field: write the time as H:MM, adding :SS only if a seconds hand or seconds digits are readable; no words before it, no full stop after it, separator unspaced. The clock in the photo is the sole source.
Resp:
11:45:50
